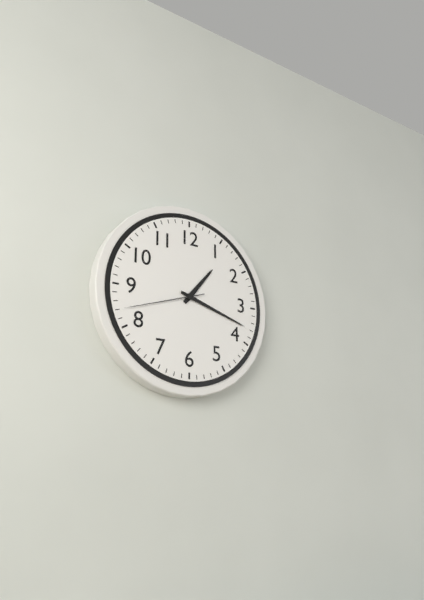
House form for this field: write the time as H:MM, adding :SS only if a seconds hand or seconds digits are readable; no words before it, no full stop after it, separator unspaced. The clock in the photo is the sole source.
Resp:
1:18:42
